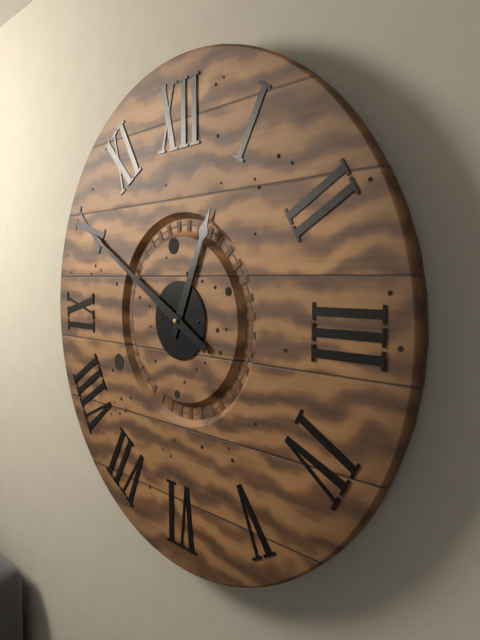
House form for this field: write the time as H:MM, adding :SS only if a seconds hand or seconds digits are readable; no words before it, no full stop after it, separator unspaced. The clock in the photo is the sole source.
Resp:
12:50
